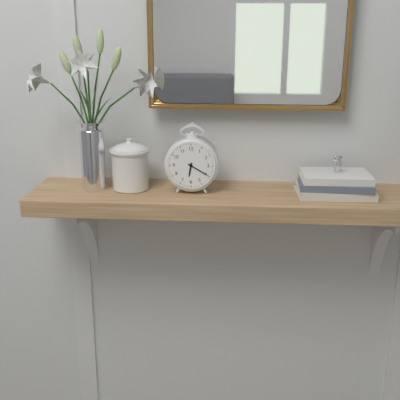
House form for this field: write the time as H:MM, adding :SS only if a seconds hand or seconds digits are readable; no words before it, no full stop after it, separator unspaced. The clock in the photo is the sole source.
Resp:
6:20
